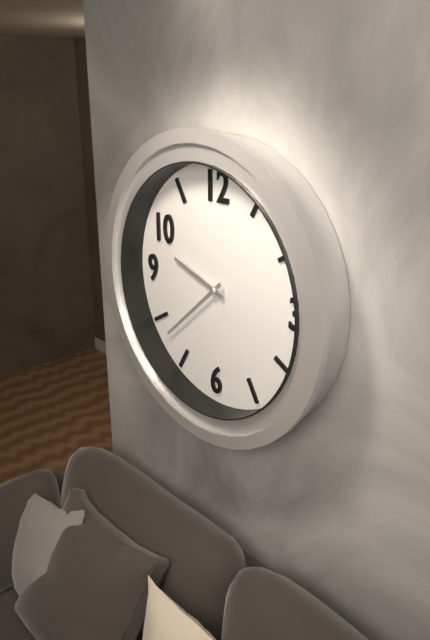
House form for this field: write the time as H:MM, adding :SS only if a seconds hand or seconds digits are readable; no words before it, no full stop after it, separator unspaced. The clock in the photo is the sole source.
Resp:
9:38
